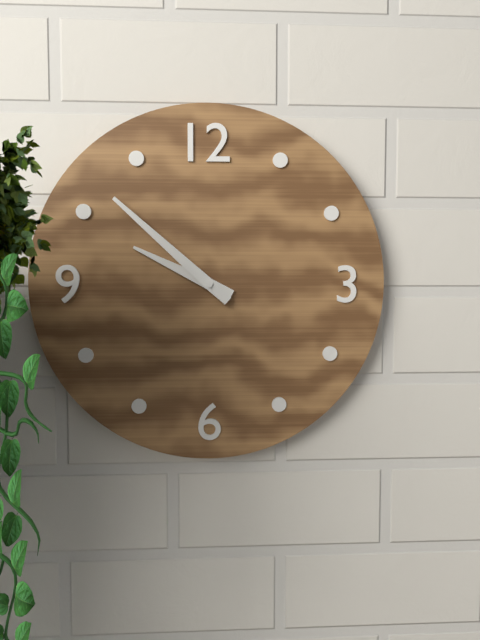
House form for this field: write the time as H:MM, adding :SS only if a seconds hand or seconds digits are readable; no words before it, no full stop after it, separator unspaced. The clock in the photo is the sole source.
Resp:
9:52
